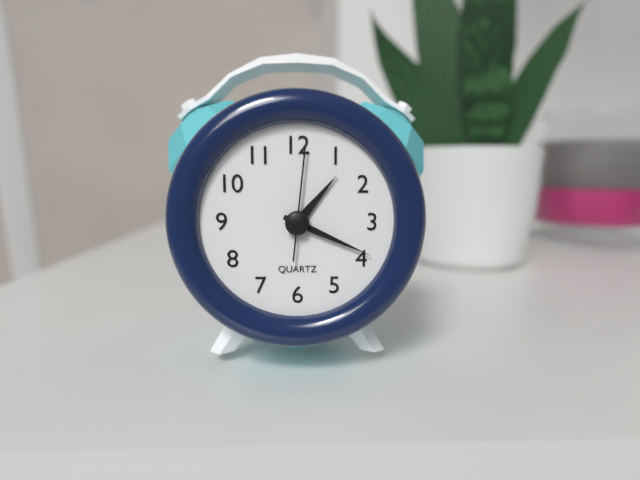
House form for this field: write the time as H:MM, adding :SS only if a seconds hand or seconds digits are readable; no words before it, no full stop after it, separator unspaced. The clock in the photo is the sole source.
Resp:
1:19:01
